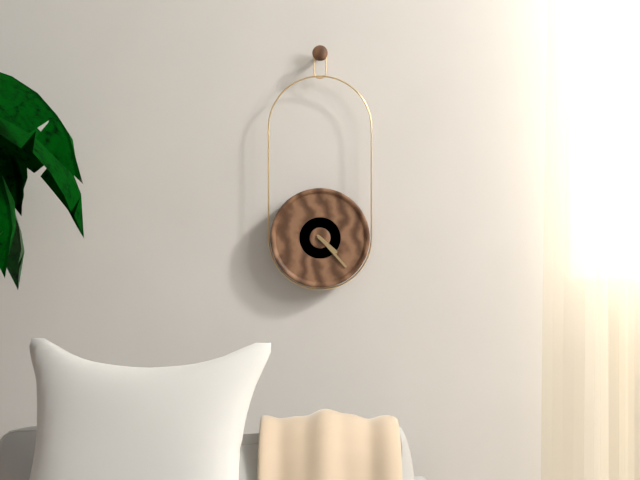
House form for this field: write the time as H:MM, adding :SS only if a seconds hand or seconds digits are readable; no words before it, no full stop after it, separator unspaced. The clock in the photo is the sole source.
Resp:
4:23
